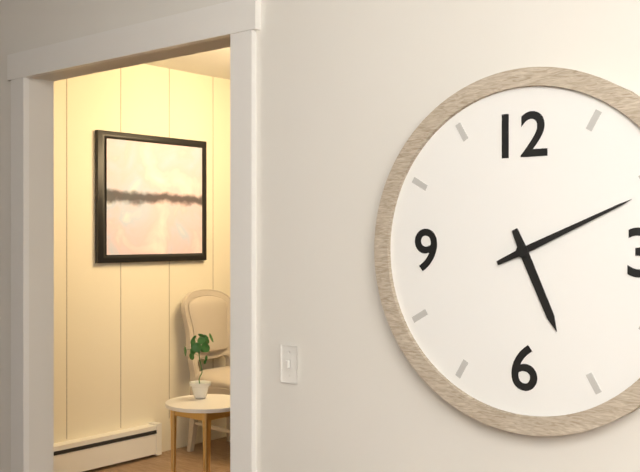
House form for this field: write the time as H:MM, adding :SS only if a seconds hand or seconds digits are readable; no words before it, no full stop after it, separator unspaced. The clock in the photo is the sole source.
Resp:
5:11
